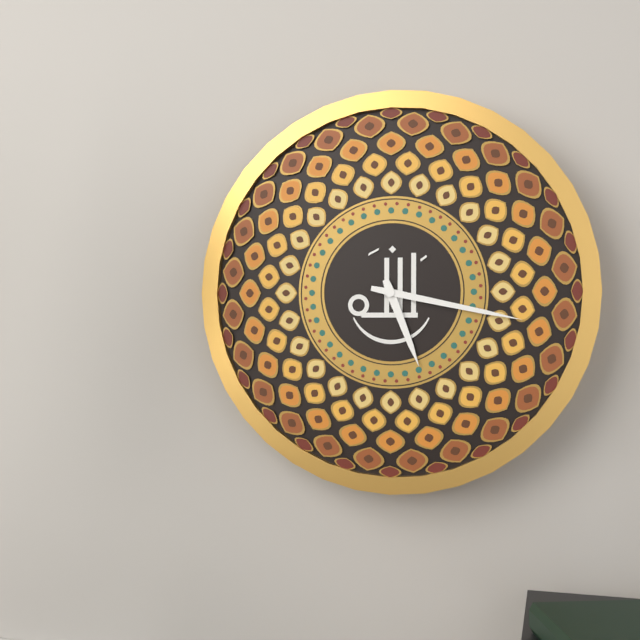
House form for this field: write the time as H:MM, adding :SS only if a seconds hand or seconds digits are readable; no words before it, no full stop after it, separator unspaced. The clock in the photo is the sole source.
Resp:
5:17
